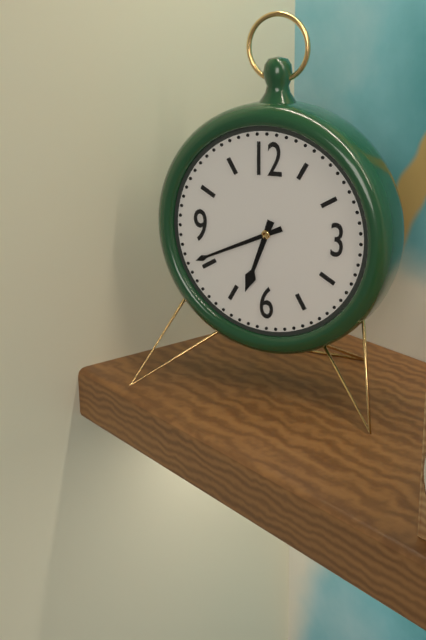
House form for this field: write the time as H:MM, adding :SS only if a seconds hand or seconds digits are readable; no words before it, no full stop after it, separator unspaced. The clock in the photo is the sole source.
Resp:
6:41
